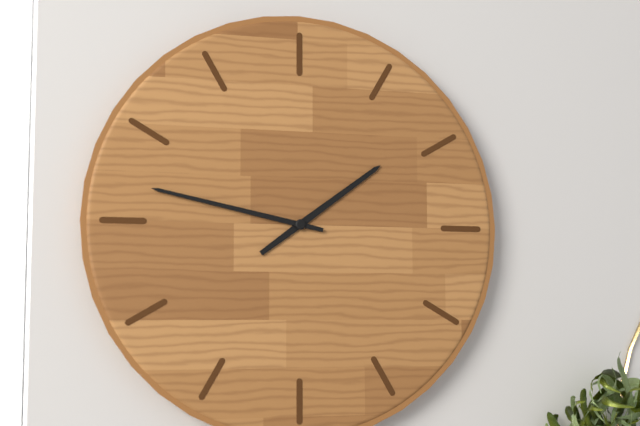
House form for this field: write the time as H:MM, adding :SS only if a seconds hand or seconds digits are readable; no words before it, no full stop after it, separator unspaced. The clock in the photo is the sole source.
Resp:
1:47
